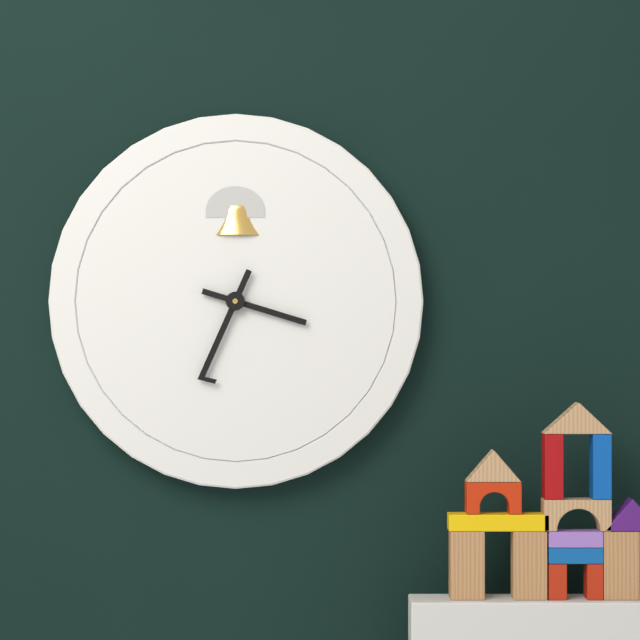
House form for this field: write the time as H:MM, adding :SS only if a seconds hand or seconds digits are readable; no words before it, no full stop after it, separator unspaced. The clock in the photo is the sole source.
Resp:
3:34
